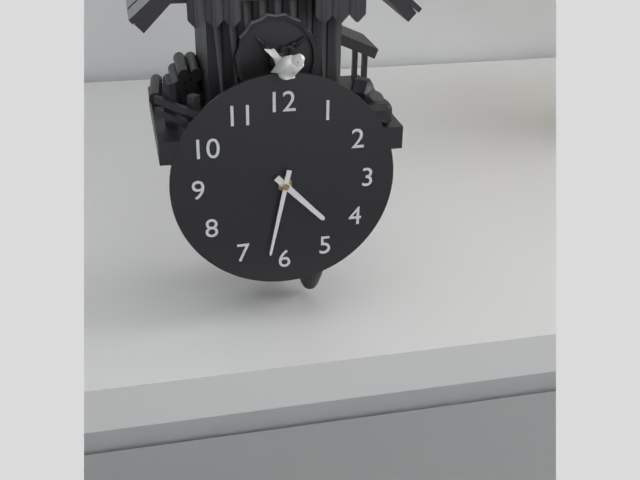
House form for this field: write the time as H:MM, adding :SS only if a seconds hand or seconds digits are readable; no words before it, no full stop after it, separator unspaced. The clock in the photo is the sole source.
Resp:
4:32
